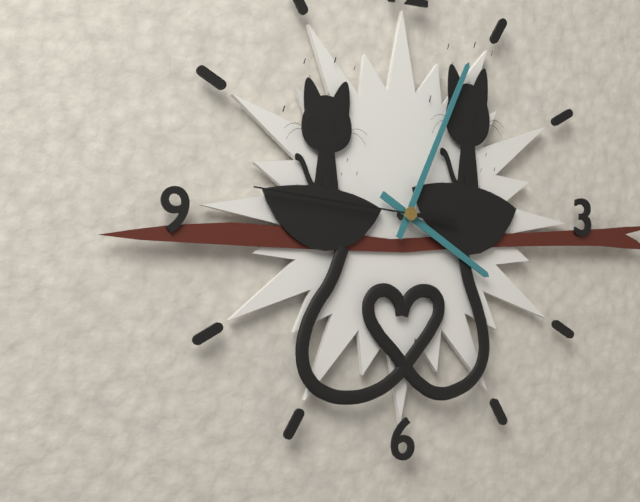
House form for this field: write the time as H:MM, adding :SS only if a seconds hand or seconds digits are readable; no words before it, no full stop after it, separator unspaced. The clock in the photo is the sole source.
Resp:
4:04:46
